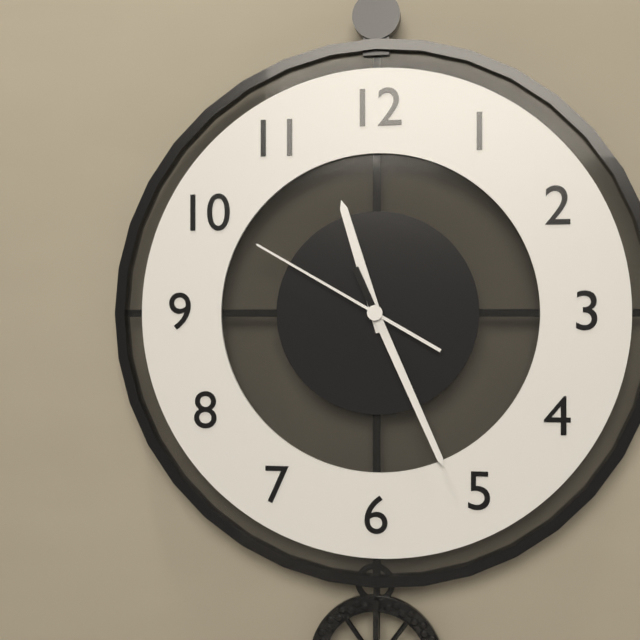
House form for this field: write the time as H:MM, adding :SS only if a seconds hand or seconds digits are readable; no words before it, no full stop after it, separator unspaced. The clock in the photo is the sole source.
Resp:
11:26:50
